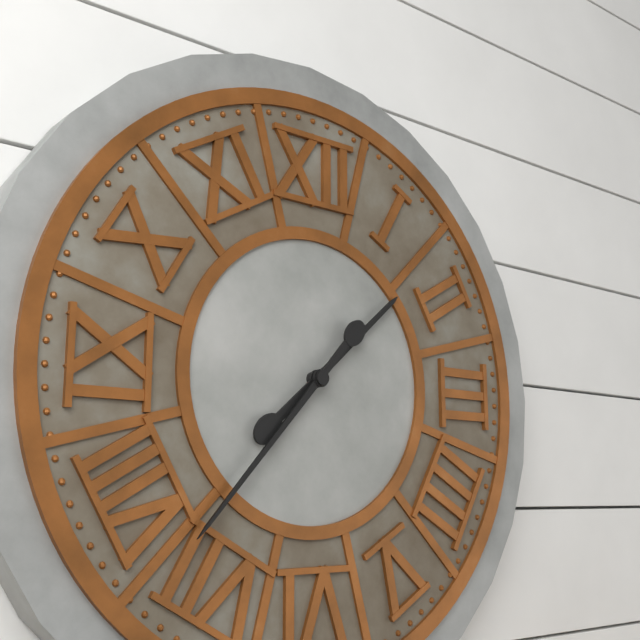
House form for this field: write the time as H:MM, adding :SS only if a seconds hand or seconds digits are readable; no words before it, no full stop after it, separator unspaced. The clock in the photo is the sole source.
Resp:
1:37
